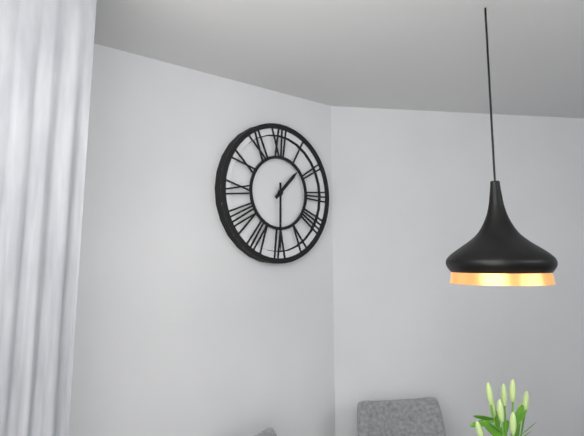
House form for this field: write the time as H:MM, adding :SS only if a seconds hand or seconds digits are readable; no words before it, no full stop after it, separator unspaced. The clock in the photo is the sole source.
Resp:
1:30
